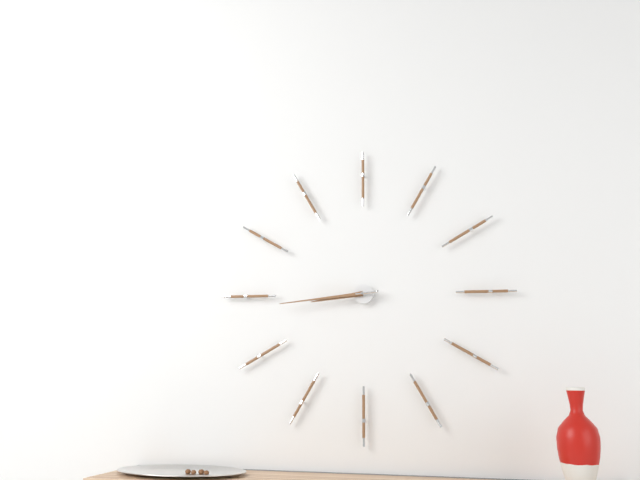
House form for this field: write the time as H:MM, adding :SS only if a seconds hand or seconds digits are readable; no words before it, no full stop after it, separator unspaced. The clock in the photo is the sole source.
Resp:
8:44
